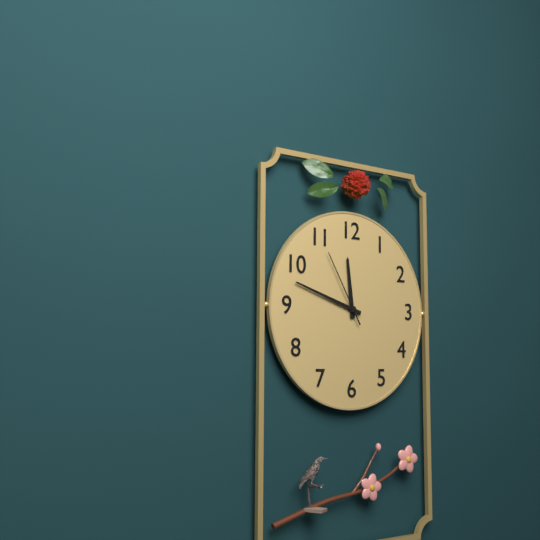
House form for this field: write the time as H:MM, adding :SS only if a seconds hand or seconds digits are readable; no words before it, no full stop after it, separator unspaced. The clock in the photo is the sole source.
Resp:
11:48:55
